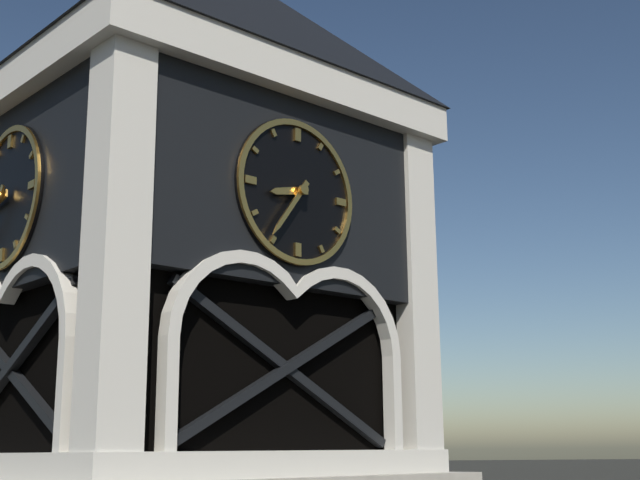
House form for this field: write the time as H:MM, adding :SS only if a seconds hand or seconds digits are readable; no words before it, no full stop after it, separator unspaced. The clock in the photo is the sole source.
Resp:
8:36
